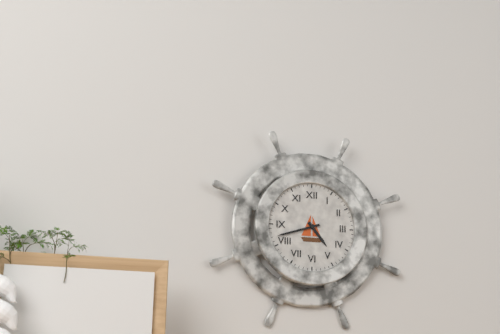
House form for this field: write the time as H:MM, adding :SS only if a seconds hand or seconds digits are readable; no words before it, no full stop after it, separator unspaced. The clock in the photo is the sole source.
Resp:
4:42
